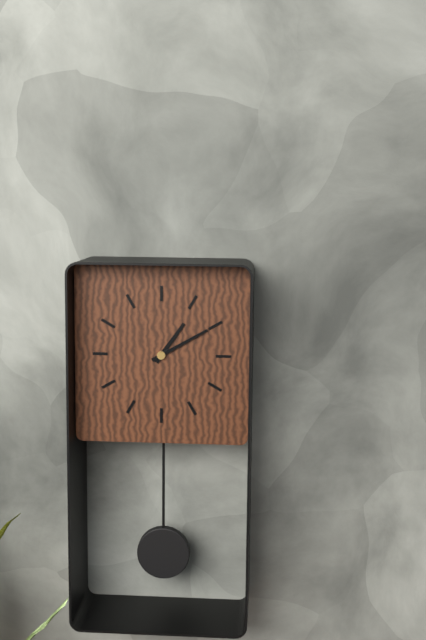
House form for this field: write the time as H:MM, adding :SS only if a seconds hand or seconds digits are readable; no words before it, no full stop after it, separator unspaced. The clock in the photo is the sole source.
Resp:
1:10
